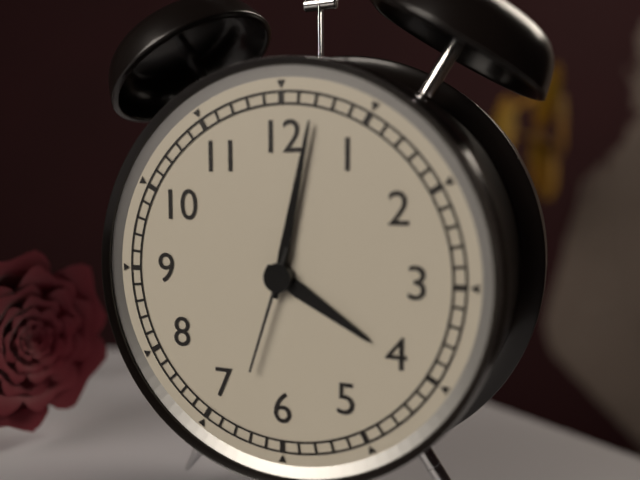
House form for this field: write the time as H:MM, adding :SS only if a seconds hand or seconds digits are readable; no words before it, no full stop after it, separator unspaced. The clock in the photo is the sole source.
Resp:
4:02:33
